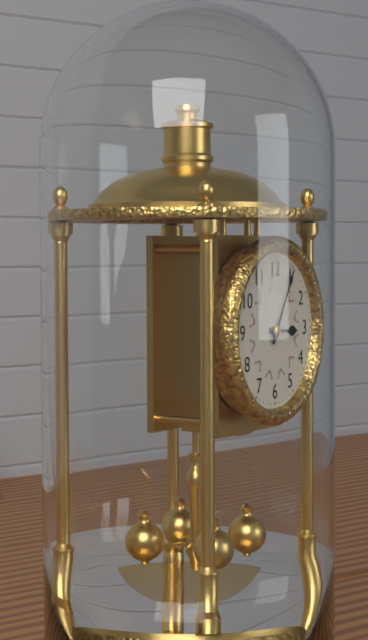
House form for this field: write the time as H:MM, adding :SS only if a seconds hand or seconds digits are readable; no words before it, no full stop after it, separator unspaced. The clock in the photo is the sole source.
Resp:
3:05
